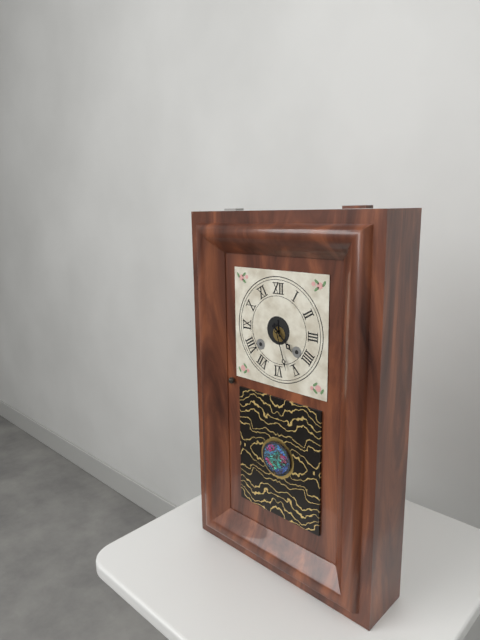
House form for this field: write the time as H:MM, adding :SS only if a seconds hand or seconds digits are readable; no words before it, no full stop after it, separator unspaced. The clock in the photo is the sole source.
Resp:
4:27
